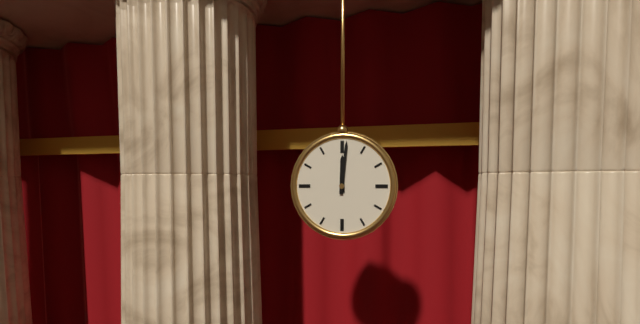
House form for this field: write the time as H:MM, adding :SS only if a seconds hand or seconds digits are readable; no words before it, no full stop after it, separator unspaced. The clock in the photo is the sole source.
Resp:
12:01
